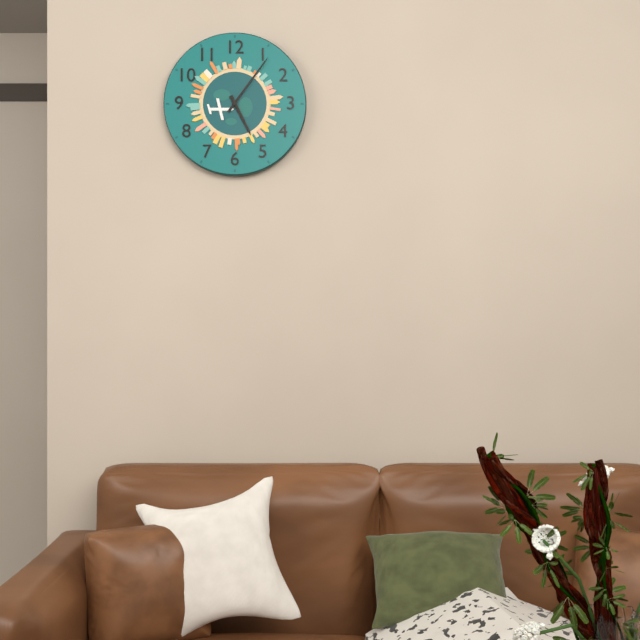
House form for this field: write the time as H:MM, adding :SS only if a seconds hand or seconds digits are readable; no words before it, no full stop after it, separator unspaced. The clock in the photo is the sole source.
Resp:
5:06
